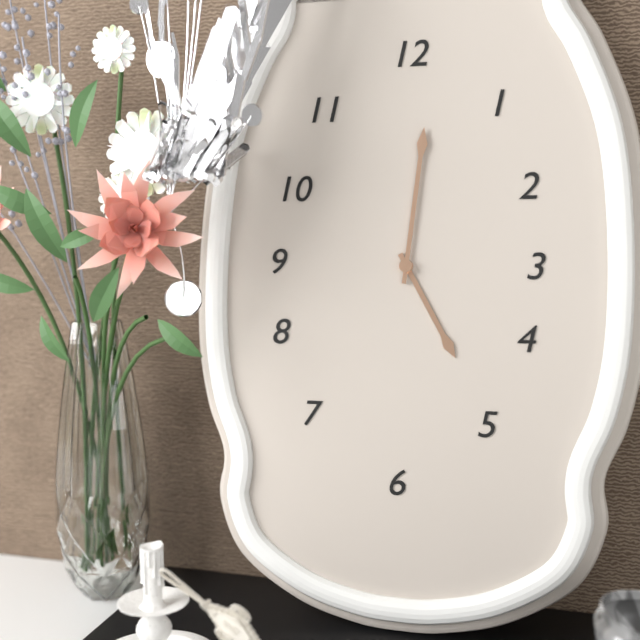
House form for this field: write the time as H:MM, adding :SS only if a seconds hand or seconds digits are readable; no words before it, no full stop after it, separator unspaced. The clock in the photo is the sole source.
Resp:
5:01
